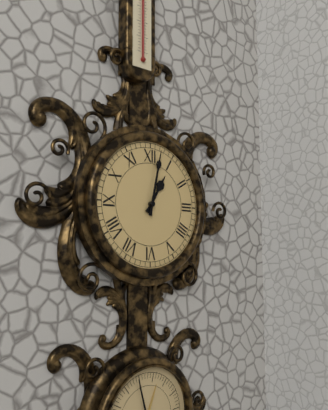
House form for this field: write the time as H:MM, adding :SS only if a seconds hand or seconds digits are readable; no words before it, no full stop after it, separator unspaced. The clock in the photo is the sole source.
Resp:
1:02
